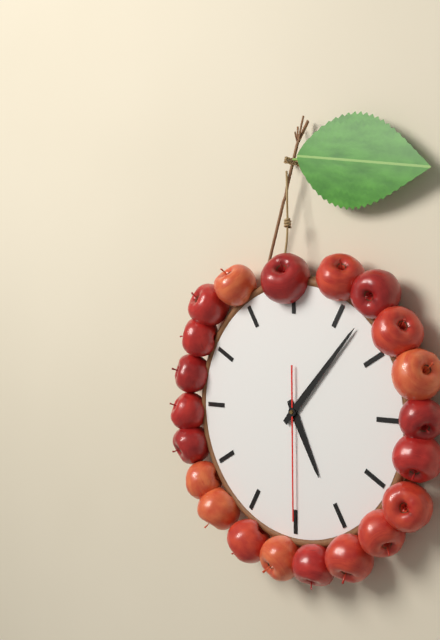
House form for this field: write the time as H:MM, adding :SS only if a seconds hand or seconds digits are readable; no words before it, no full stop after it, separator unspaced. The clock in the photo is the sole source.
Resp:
5:07:30
